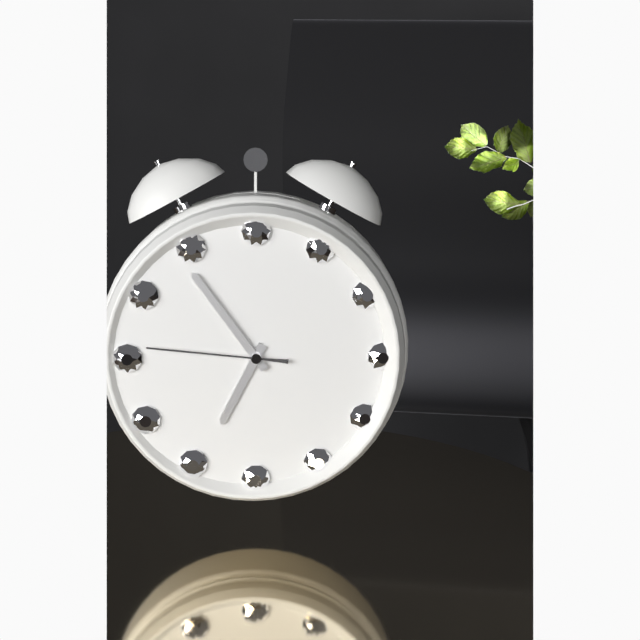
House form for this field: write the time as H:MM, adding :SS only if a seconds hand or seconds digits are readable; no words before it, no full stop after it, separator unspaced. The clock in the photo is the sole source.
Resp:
6:54:46
